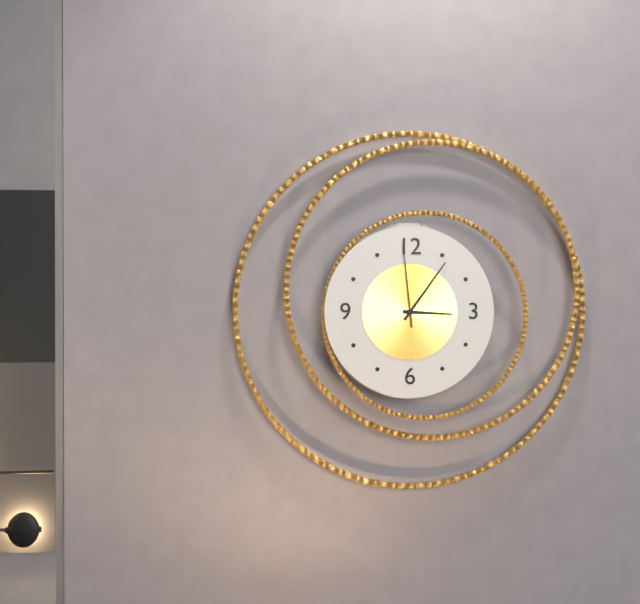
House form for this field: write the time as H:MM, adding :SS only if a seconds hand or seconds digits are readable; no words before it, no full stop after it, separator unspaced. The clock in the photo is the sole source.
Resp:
3:06:59
